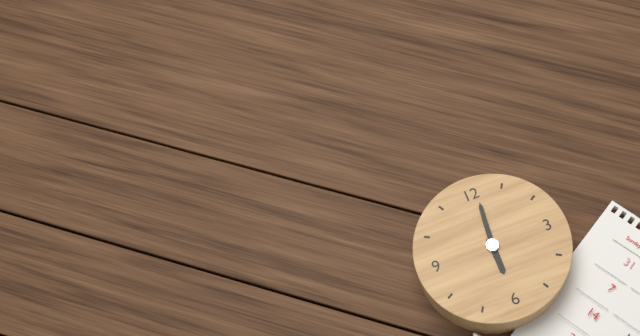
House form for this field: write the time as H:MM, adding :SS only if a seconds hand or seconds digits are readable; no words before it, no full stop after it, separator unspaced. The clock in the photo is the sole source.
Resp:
6:01
